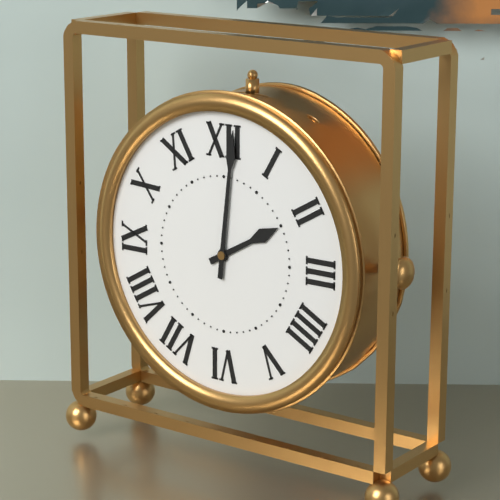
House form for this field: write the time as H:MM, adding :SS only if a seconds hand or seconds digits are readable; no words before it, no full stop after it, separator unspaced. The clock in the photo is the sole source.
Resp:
2:01
